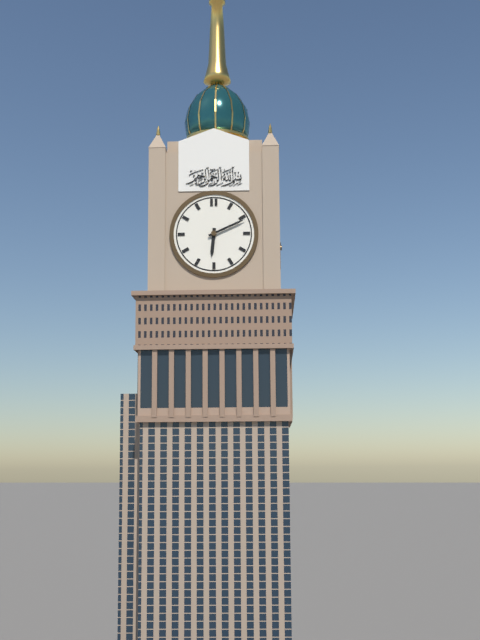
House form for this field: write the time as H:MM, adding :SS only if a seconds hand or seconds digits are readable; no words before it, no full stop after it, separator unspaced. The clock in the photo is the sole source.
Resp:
6:11
